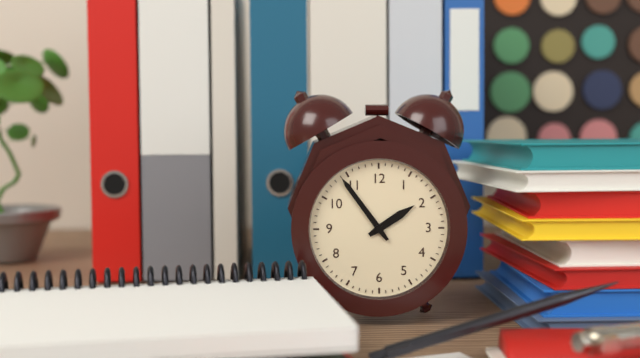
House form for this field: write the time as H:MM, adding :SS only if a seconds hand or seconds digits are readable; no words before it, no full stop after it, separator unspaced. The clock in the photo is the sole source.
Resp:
1:54
